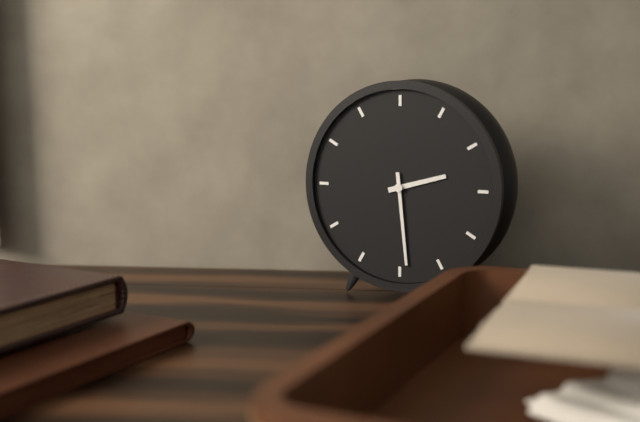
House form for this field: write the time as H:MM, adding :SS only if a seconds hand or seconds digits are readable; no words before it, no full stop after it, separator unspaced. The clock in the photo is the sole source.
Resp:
2:29
